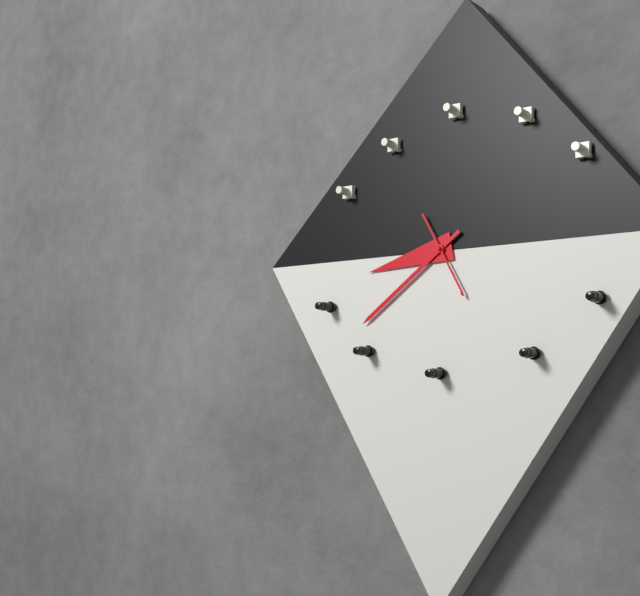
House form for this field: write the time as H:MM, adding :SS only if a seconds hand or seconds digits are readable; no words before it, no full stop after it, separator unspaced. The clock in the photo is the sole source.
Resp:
8:39:25
